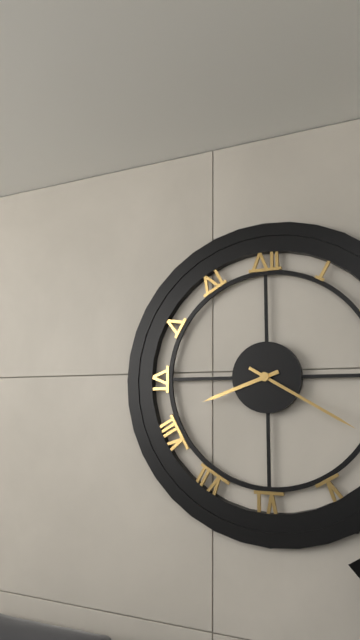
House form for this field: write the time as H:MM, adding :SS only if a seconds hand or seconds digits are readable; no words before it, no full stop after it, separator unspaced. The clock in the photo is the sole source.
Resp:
8:20
